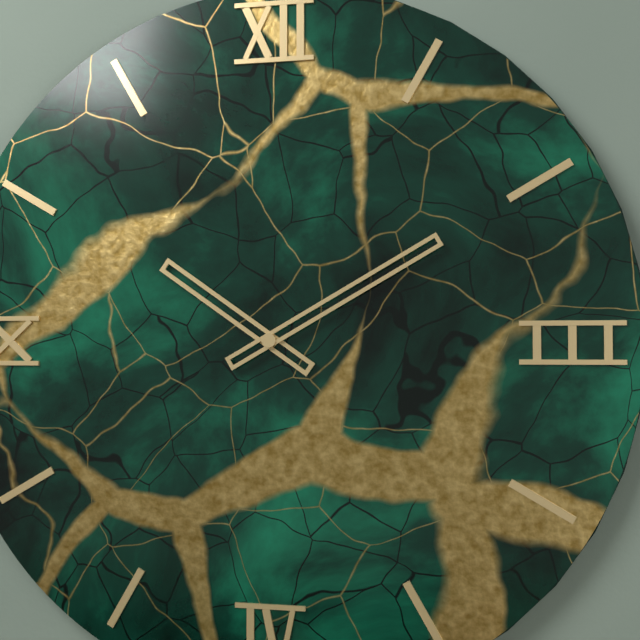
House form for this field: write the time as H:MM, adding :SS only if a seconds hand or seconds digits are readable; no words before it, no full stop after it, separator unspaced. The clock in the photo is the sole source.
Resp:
10:10
